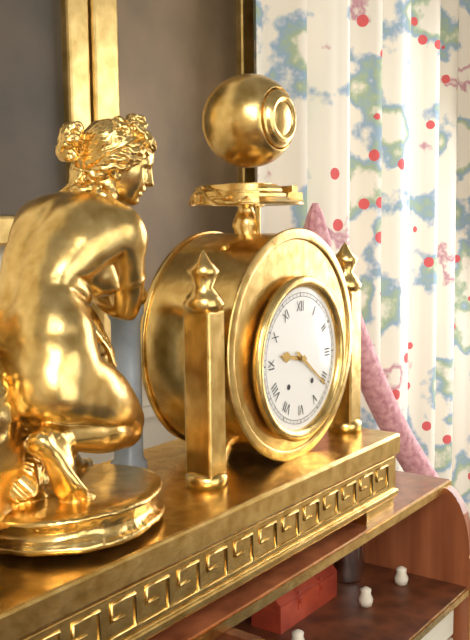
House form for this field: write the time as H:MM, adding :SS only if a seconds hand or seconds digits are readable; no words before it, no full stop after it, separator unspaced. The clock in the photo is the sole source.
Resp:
9:21
